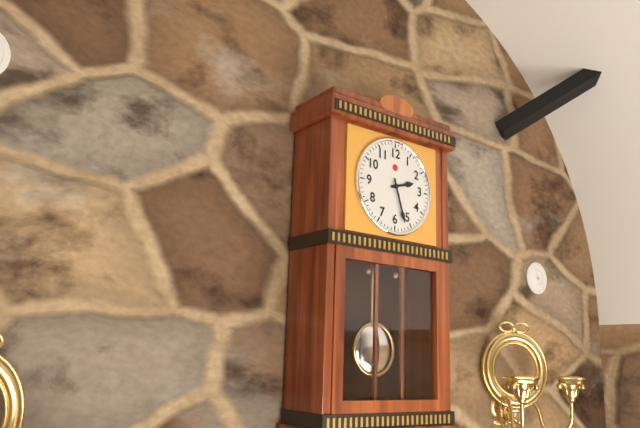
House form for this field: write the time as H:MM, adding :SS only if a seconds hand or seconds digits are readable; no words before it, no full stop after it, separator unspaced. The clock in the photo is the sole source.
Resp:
2:27
